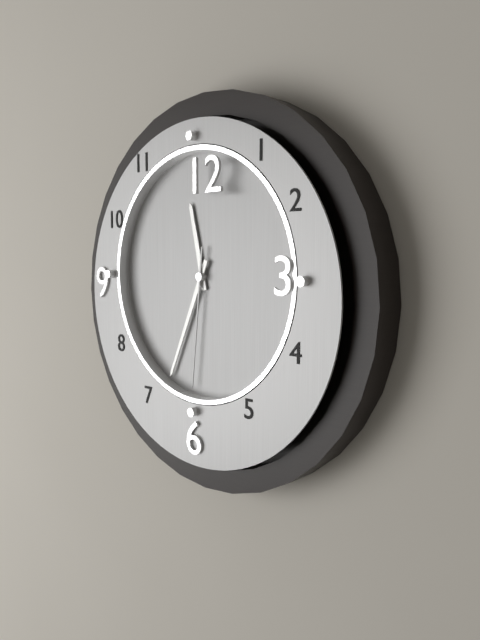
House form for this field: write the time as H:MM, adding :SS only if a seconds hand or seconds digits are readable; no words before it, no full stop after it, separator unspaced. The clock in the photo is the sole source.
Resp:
11:34:31
